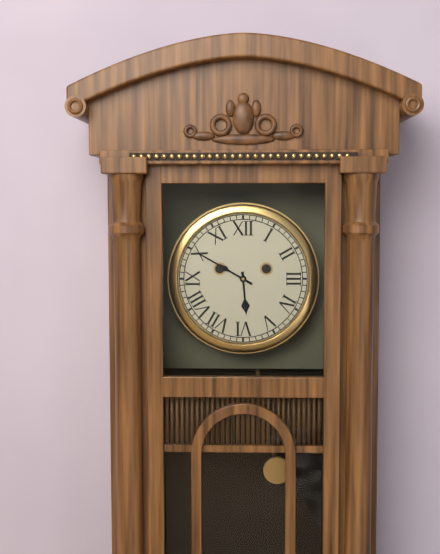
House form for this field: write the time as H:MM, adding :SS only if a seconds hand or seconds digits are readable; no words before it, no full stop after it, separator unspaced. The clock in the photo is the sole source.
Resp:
5:50
